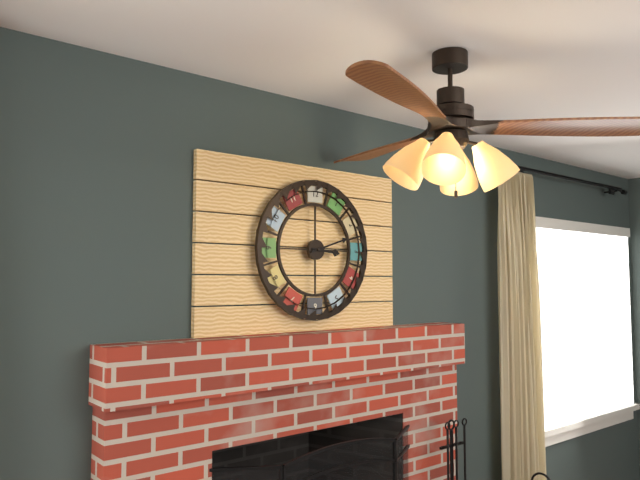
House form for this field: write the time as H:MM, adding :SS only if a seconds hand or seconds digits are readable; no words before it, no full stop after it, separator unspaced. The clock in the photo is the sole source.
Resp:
3:12
